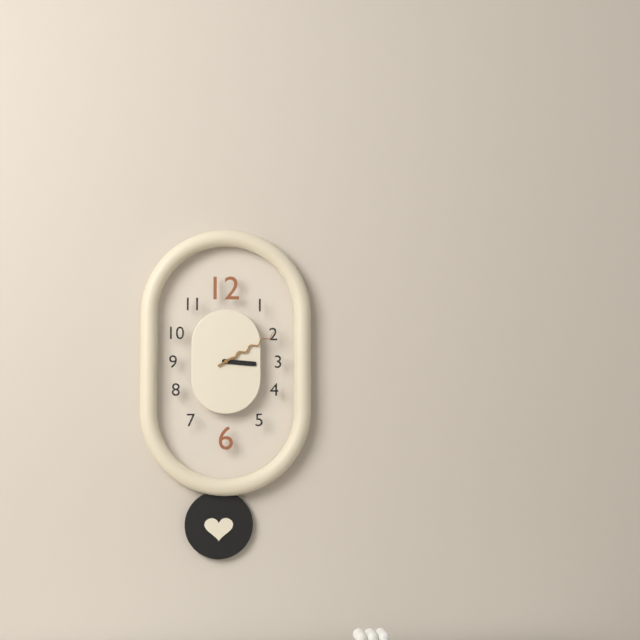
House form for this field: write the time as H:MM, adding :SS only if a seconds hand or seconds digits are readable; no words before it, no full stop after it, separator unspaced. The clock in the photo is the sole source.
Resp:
3:10
